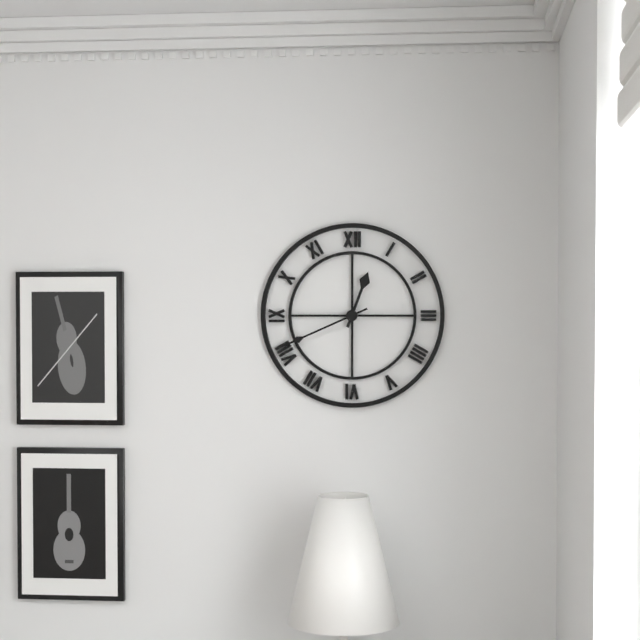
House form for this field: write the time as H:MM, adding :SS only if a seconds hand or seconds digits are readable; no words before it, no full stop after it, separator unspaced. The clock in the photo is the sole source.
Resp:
12:41
